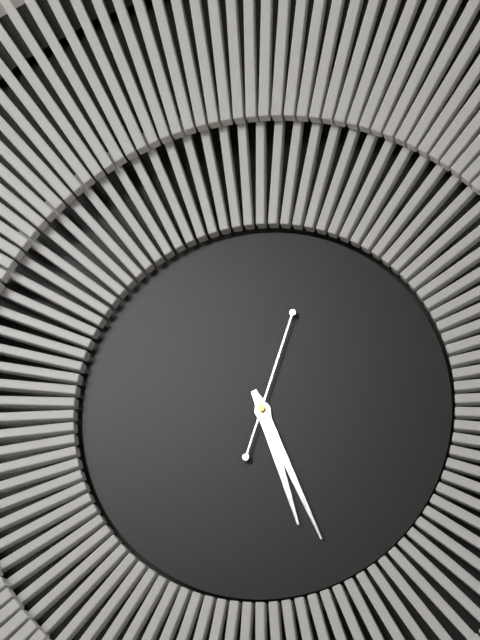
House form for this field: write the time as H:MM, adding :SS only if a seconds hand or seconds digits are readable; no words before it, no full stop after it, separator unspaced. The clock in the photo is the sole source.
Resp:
5:26:03
